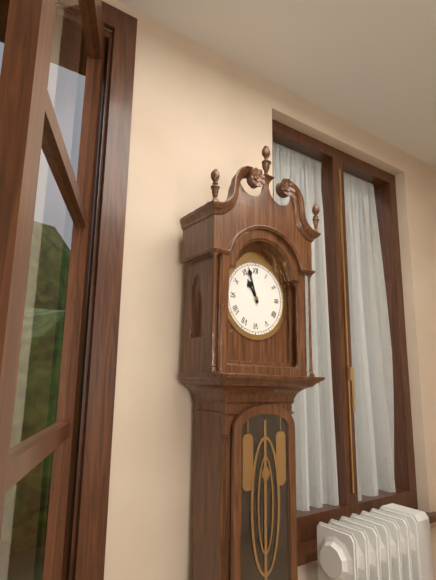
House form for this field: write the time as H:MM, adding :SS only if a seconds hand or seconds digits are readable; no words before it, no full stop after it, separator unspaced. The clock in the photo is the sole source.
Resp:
10:57
